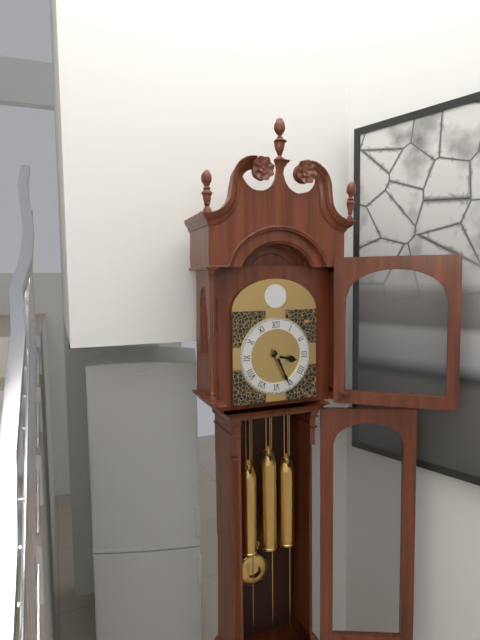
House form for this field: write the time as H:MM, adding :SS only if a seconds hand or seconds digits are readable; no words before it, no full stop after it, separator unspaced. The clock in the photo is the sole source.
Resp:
3:26
